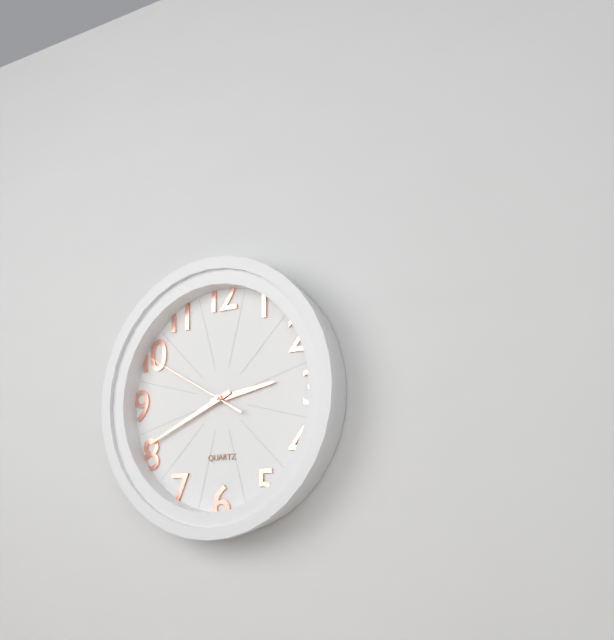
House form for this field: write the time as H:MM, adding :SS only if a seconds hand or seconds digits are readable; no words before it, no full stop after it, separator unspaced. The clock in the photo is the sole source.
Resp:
2:41:50
